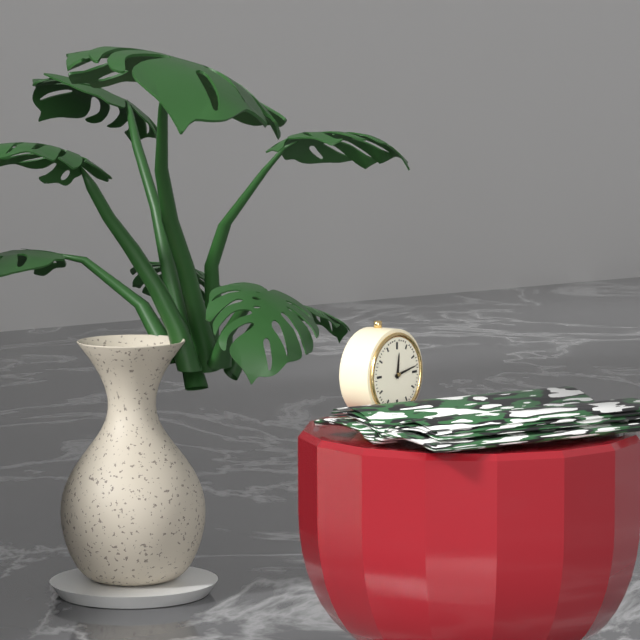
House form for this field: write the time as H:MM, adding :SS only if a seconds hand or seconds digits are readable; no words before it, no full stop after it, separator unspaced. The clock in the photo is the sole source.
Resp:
12:13
